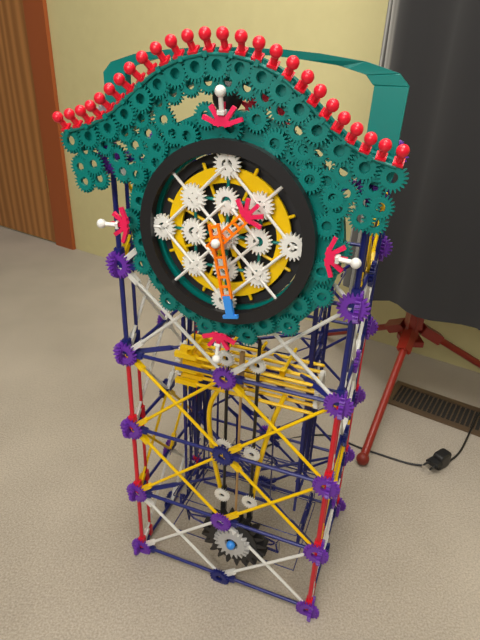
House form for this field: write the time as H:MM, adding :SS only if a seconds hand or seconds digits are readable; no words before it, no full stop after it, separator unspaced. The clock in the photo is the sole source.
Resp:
1:28
